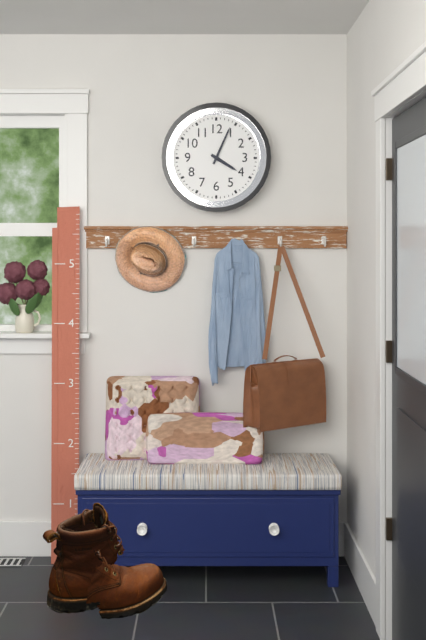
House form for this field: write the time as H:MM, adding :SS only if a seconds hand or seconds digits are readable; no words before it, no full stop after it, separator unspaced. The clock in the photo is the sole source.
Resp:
4:04
